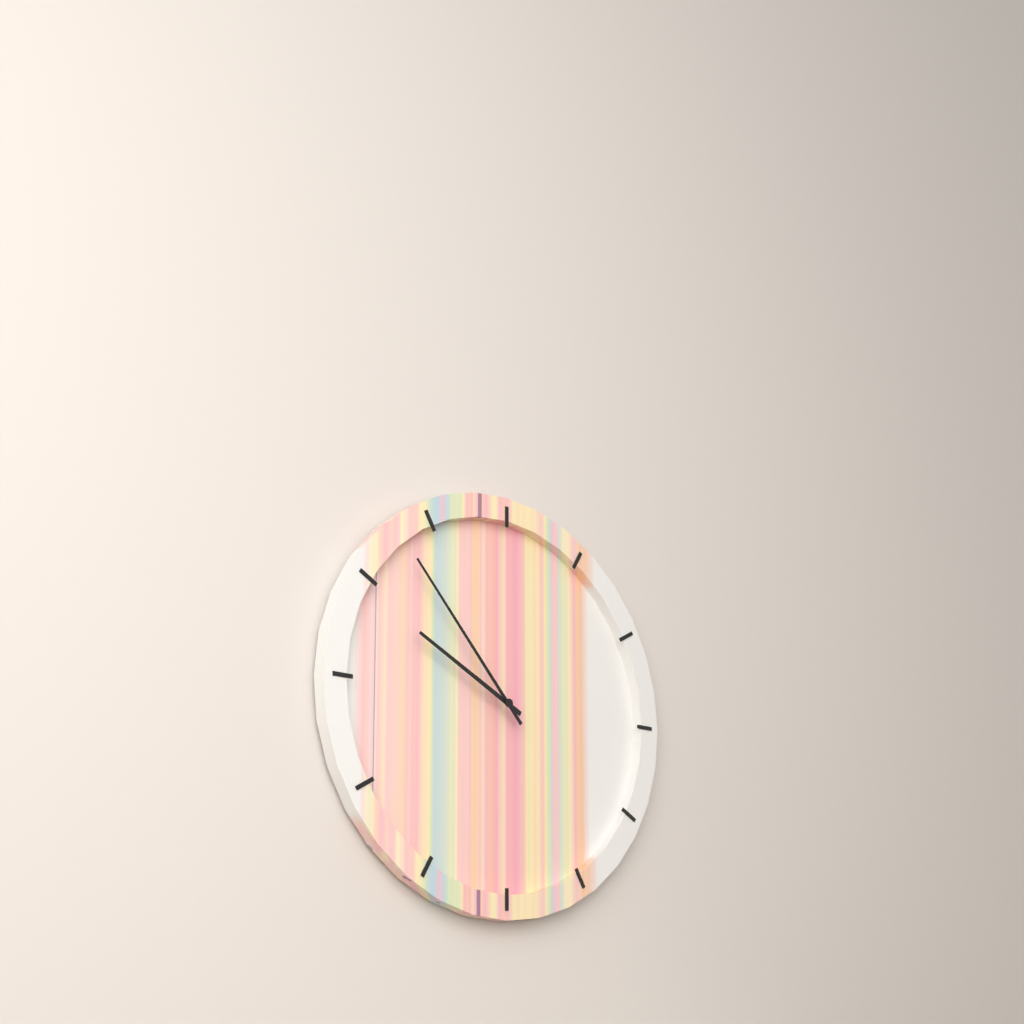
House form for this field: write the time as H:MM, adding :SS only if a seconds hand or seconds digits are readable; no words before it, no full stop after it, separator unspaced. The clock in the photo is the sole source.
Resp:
9:53
